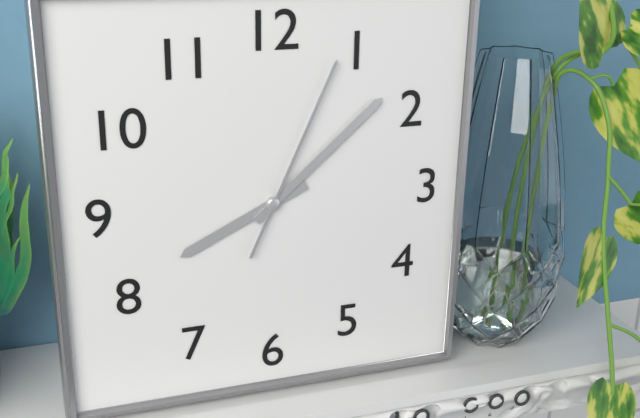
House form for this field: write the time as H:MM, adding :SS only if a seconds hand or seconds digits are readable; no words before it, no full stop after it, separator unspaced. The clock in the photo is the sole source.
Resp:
8:08:04
